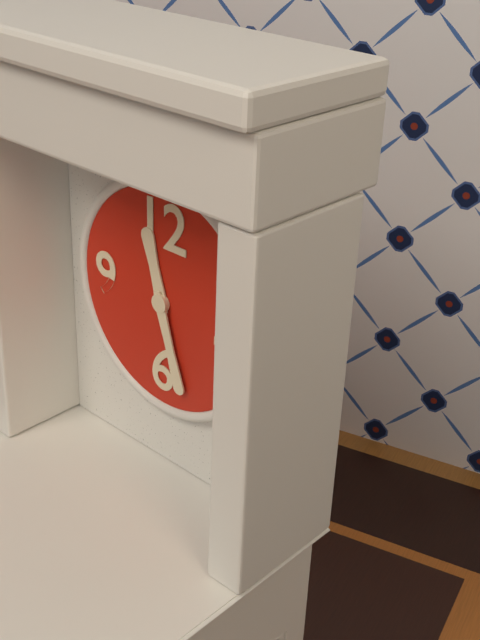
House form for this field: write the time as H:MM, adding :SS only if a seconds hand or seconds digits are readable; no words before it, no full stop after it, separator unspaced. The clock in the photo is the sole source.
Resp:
11:27
